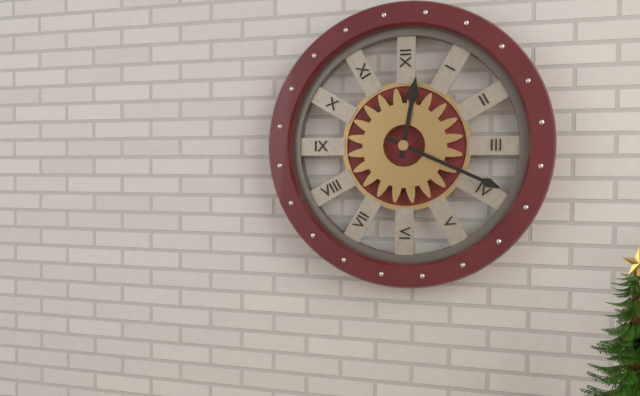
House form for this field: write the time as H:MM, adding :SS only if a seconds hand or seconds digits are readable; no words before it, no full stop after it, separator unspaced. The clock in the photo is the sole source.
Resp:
12:19
